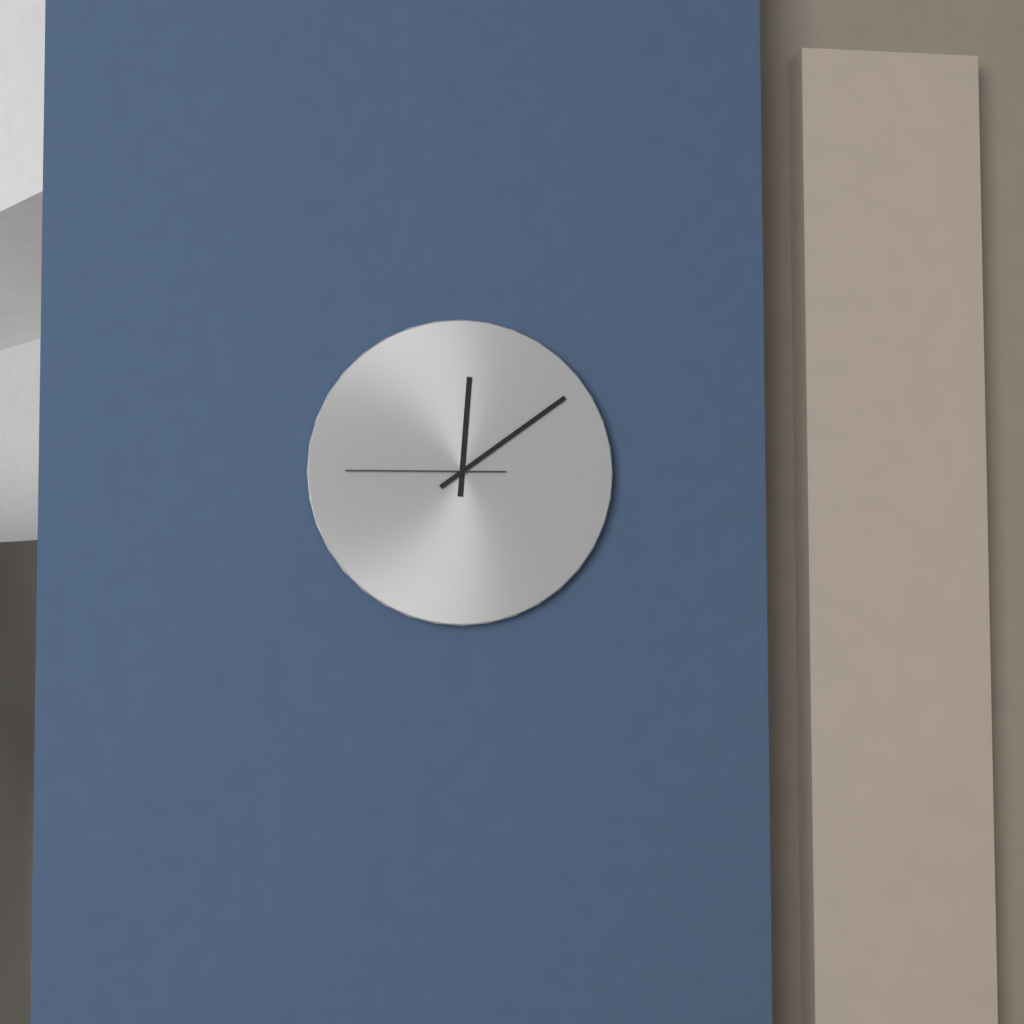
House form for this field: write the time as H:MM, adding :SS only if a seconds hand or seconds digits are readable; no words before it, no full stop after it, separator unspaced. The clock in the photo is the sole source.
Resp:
12:09:45
